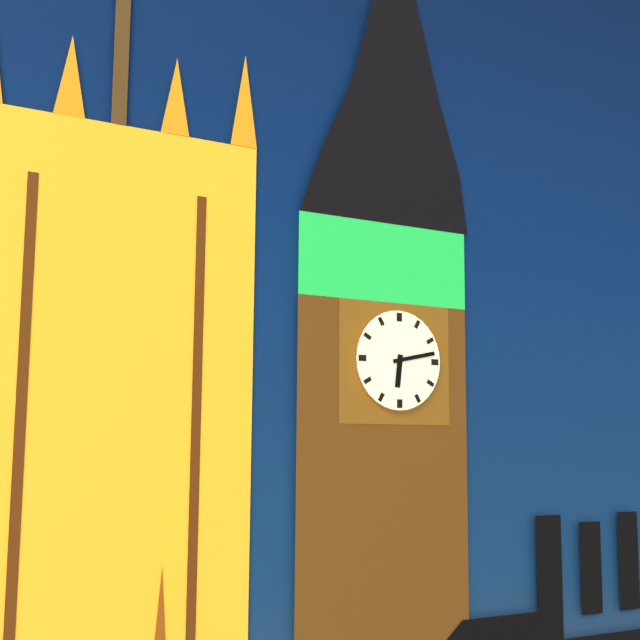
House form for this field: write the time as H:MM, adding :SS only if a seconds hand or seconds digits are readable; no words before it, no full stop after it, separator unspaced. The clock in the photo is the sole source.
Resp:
6:13
